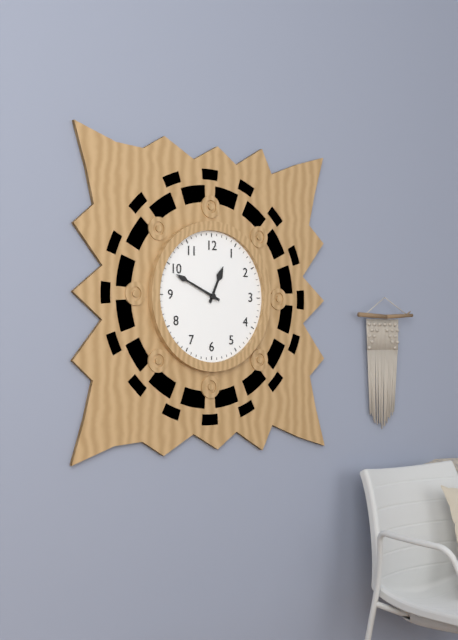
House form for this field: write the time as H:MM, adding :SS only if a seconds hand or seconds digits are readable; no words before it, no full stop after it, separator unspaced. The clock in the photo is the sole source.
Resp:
12:49
